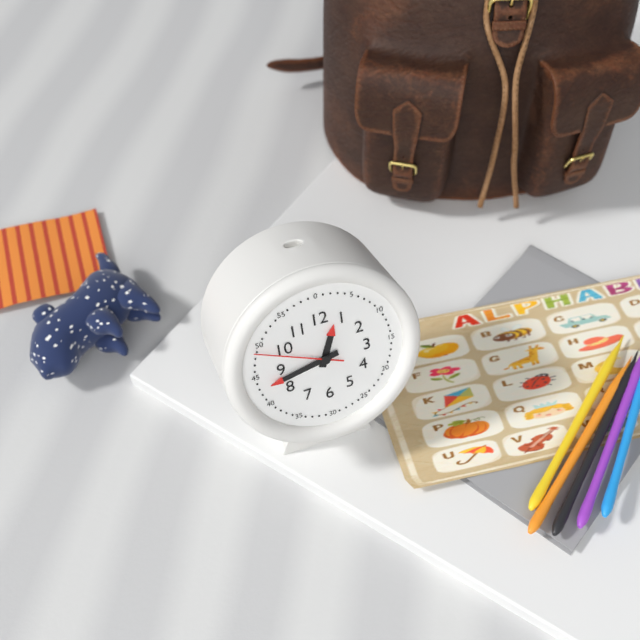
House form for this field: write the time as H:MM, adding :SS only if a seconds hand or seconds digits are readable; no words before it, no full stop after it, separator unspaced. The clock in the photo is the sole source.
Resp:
12:43:49
